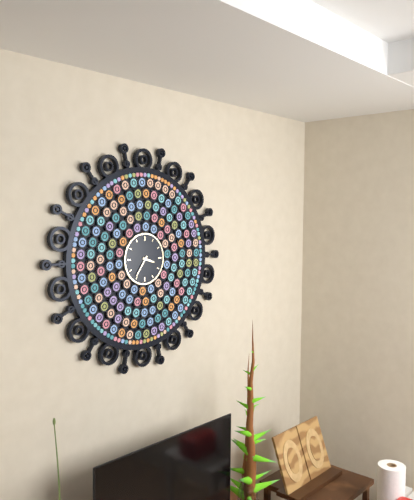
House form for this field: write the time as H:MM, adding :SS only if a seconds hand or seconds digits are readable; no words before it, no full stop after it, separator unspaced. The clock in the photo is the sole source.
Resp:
3:36
